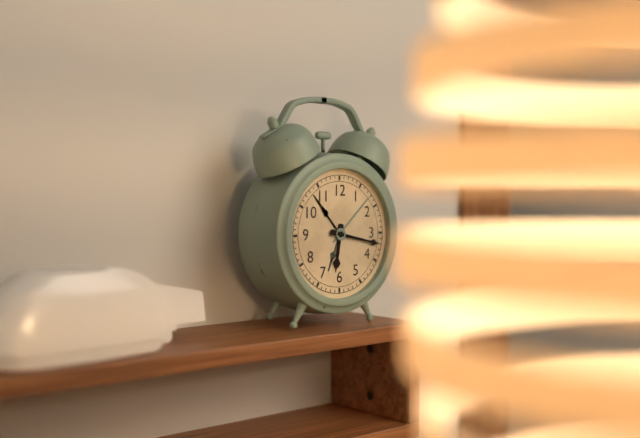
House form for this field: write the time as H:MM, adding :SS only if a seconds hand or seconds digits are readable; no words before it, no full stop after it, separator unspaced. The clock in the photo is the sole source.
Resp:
6:17
